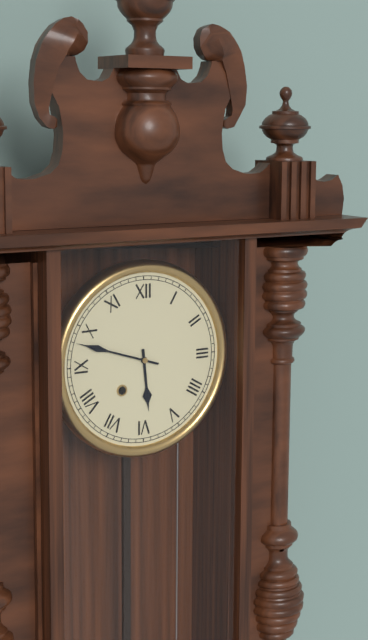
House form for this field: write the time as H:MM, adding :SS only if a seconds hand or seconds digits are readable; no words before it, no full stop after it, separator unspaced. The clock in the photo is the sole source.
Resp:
5:48
